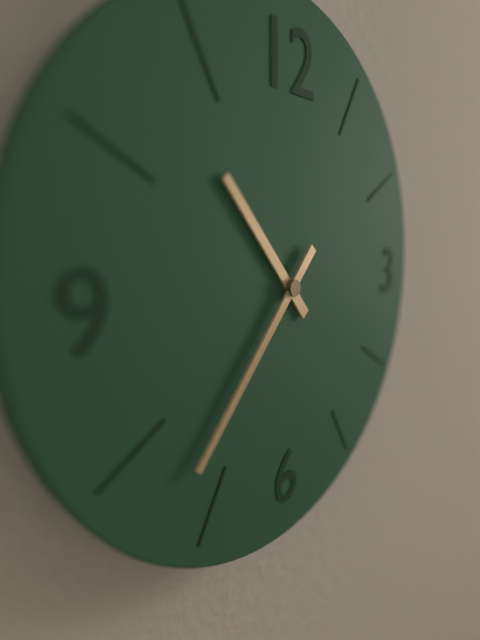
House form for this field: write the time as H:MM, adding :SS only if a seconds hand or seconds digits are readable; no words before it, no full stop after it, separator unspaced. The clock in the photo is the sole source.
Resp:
10:37
